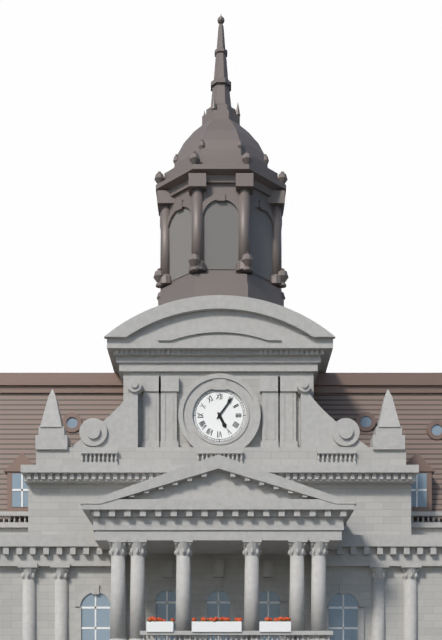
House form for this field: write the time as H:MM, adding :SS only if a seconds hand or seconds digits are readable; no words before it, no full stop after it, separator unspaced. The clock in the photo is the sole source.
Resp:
5:06
